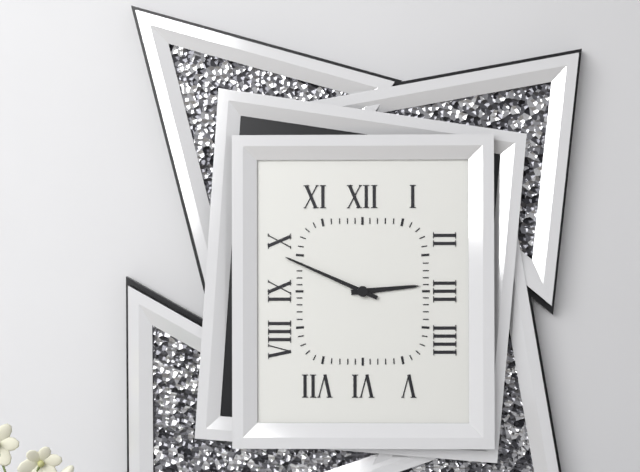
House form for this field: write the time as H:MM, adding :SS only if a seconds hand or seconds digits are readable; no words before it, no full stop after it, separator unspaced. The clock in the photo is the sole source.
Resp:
2:49
